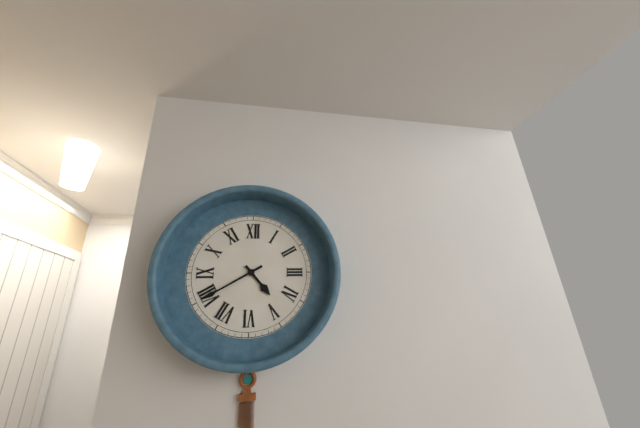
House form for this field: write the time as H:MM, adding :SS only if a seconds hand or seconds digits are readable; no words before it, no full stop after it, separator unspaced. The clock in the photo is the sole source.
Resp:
4:40
